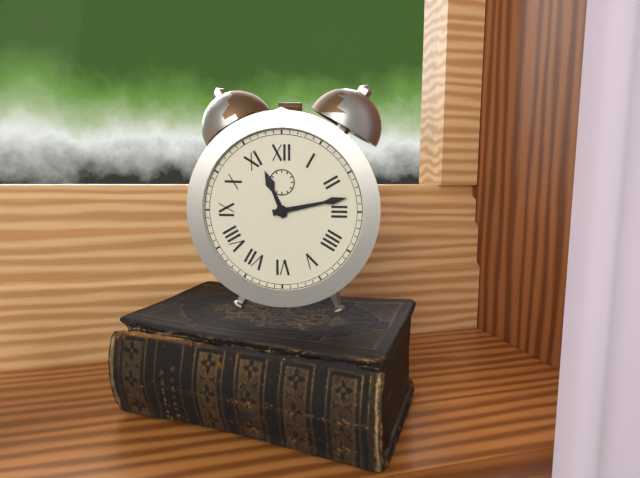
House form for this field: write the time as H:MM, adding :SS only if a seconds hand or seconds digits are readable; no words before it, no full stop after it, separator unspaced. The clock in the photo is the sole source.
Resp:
11:13
